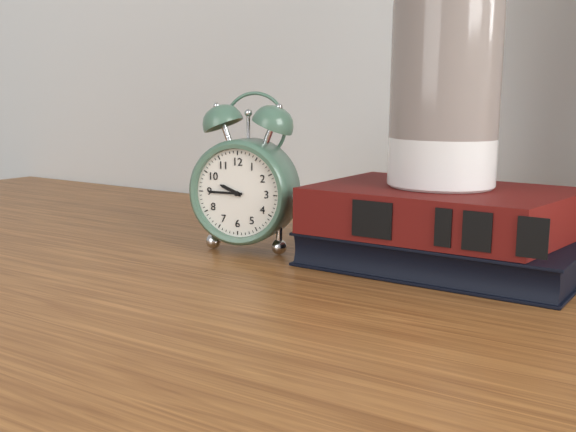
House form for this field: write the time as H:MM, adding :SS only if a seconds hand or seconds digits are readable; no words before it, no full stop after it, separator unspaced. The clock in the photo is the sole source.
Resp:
9:45
